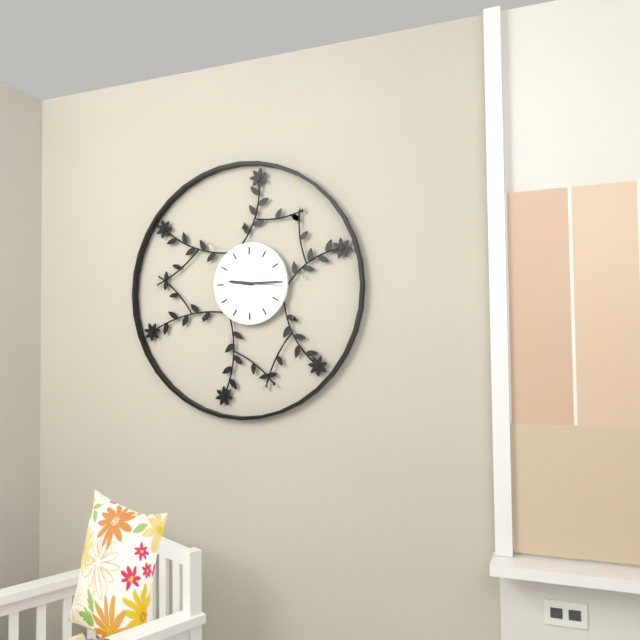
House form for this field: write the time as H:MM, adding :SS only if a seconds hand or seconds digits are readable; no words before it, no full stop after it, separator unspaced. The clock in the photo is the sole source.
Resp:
9:15
